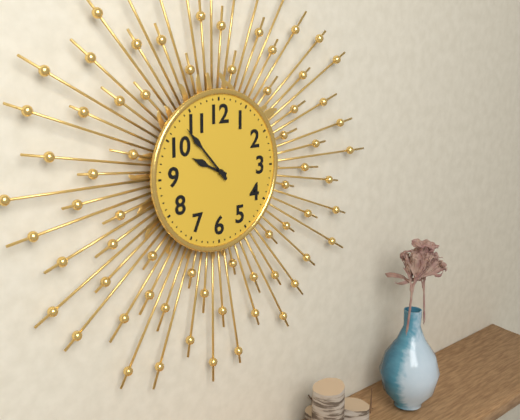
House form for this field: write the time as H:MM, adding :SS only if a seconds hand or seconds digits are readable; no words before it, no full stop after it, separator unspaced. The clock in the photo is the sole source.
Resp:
9:53
